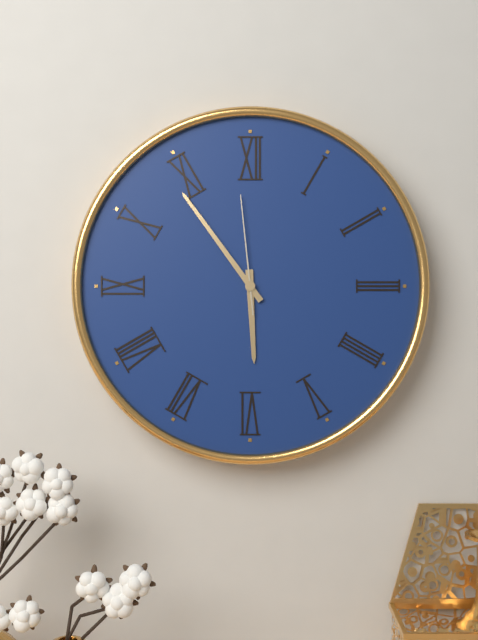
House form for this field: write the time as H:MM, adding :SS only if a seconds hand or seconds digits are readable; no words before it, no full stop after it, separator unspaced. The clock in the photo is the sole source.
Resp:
5:54:59
